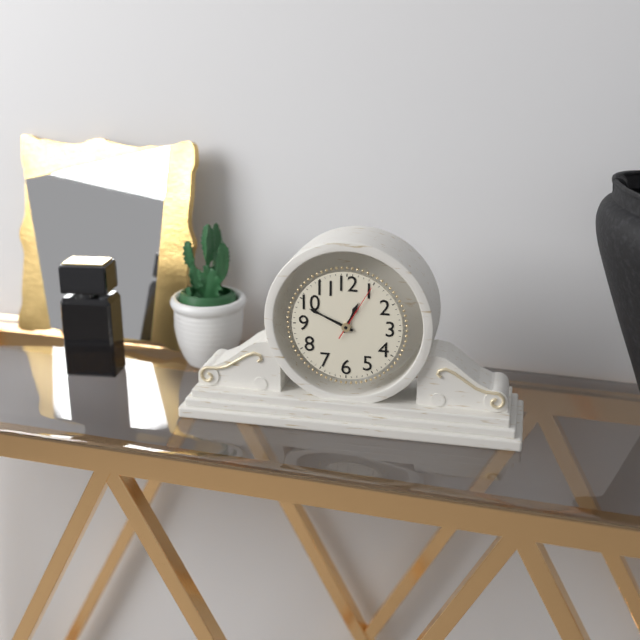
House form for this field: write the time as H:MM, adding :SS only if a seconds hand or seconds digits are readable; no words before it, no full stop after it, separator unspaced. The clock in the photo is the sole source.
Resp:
12:49:05
